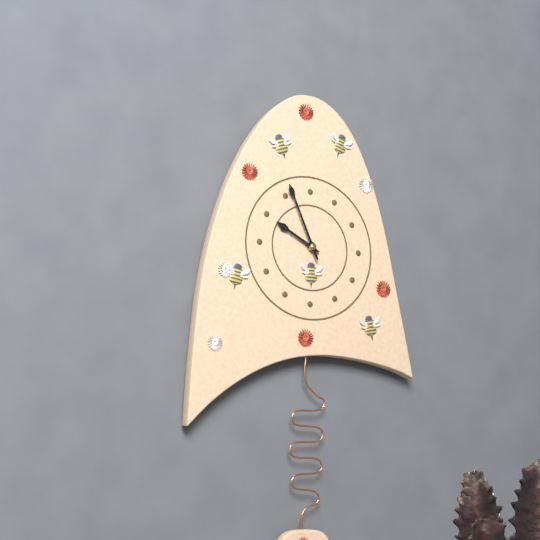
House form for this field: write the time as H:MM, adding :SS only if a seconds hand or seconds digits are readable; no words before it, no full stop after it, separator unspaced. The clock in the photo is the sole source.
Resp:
9:56
